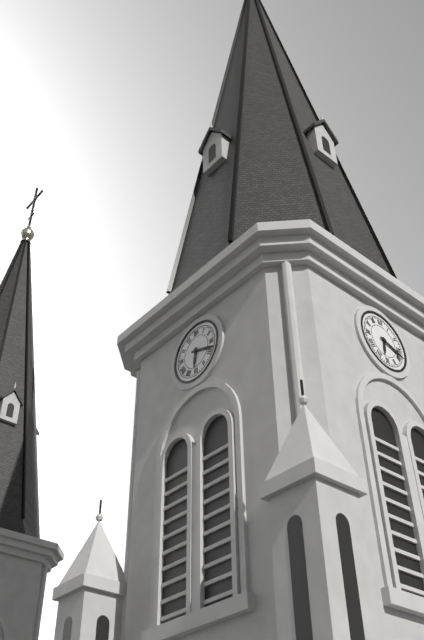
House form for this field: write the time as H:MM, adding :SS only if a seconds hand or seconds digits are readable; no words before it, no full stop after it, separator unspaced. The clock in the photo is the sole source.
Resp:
6:18
